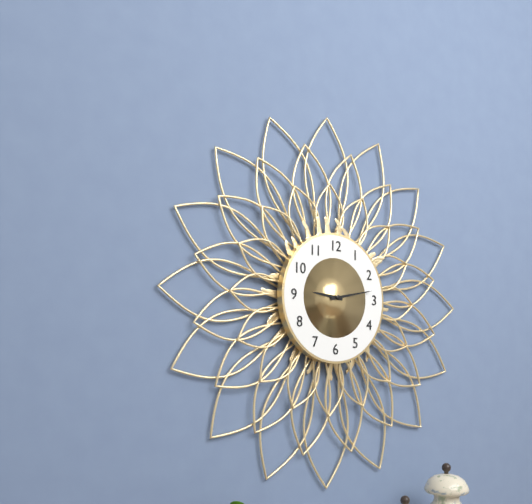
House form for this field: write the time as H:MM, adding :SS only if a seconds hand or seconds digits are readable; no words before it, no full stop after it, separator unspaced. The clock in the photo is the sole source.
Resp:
9:13
